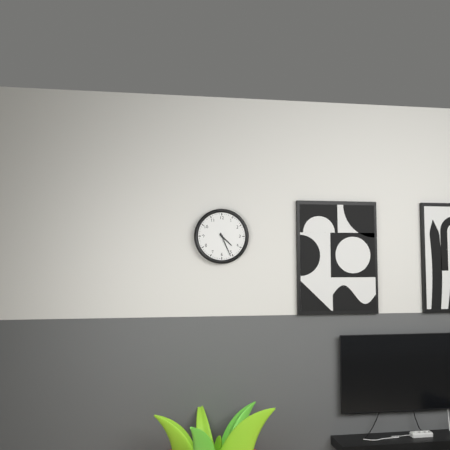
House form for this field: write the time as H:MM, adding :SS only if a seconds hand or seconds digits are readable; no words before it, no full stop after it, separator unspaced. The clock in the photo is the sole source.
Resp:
4:26
